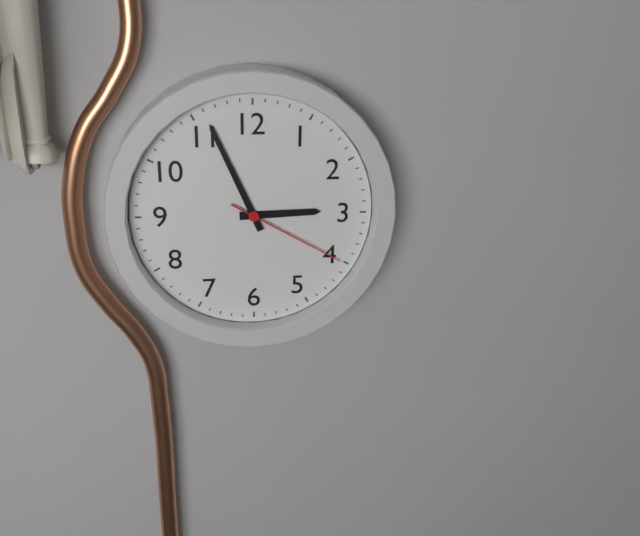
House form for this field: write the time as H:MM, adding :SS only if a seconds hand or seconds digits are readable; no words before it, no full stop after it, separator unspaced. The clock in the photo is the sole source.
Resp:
2:56:20
